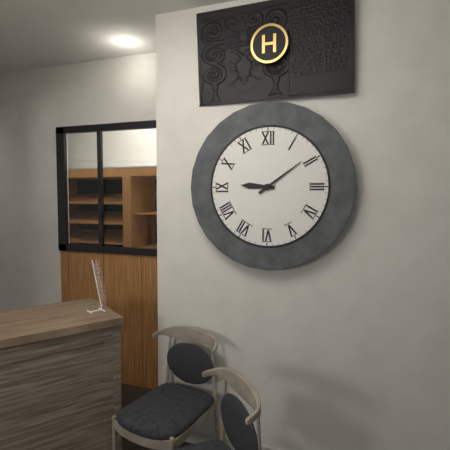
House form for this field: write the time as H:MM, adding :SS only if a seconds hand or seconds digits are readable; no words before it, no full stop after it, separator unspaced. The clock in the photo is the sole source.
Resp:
9:09
